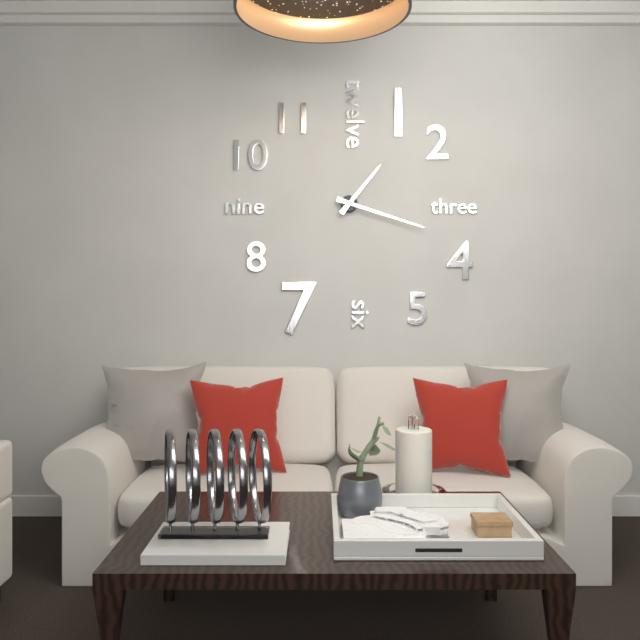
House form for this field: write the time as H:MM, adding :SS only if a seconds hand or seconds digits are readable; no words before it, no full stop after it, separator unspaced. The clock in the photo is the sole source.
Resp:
1:18
